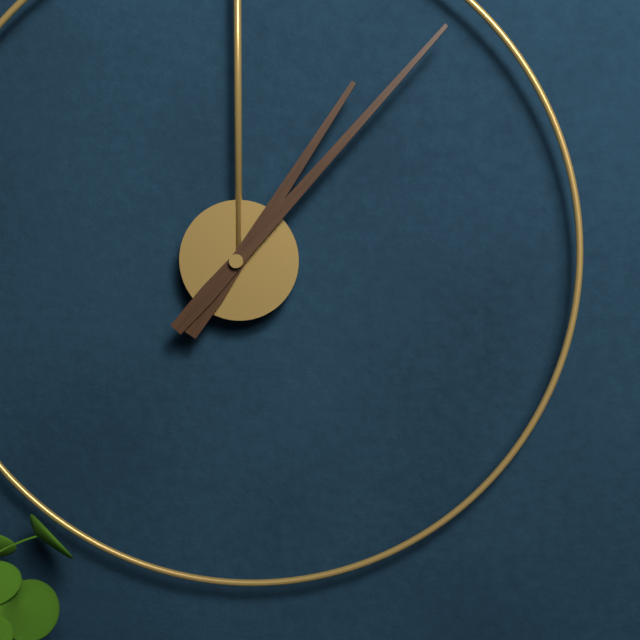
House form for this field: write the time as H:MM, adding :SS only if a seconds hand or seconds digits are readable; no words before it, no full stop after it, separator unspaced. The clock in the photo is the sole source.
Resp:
1:07
